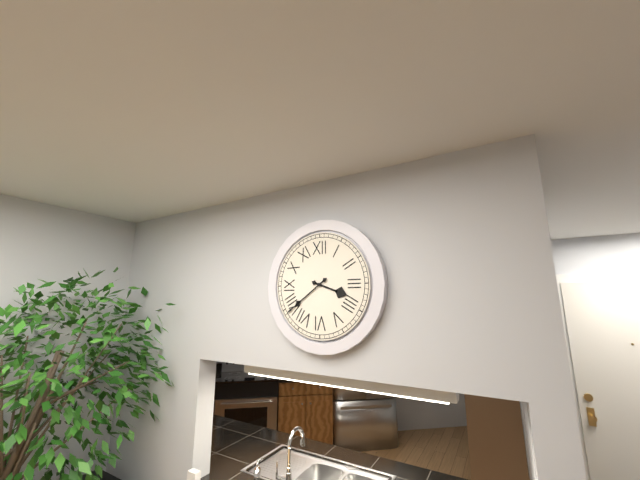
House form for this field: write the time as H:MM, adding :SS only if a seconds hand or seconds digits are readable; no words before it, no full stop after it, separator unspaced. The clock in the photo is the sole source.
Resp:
3:39
